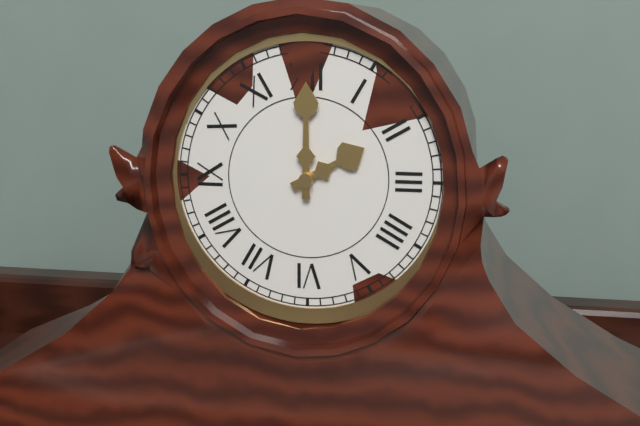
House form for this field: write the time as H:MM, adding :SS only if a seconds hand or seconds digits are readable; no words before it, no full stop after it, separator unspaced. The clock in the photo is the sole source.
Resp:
2:00
